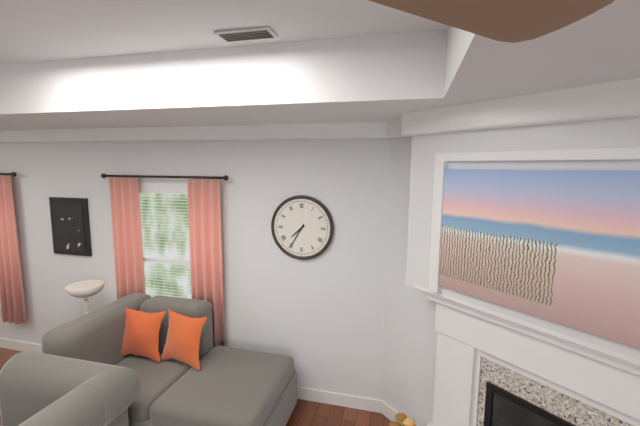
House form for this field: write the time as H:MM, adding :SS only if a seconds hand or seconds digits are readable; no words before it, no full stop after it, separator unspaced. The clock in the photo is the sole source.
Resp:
7:35
